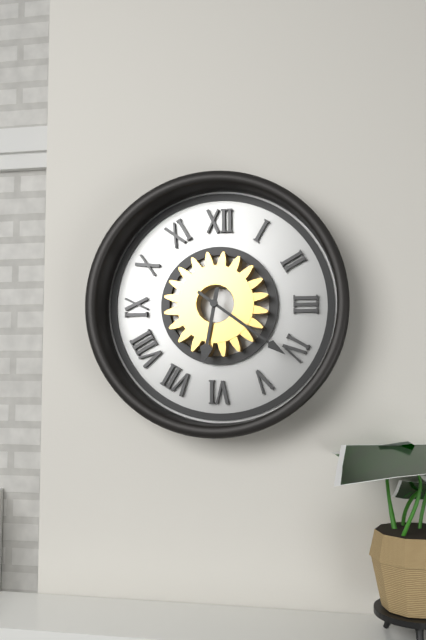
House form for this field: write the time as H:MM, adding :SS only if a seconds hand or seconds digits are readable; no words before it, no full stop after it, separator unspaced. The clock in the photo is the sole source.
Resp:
6:21
